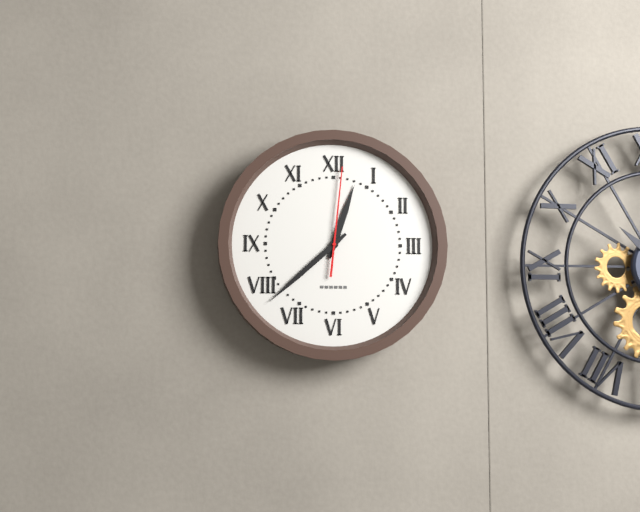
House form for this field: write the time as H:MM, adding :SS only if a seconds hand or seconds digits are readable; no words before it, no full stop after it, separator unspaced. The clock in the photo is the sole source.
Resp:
12:38:01
